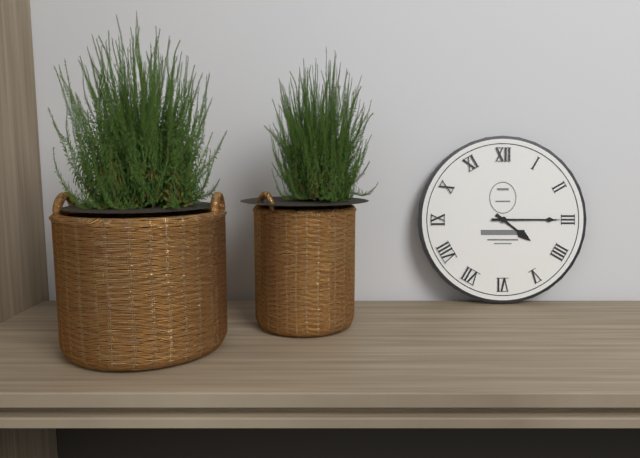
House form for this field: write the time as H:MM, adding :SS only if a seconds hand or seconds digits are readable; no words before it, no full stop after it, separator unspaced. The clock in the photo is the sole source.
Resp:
4:15
